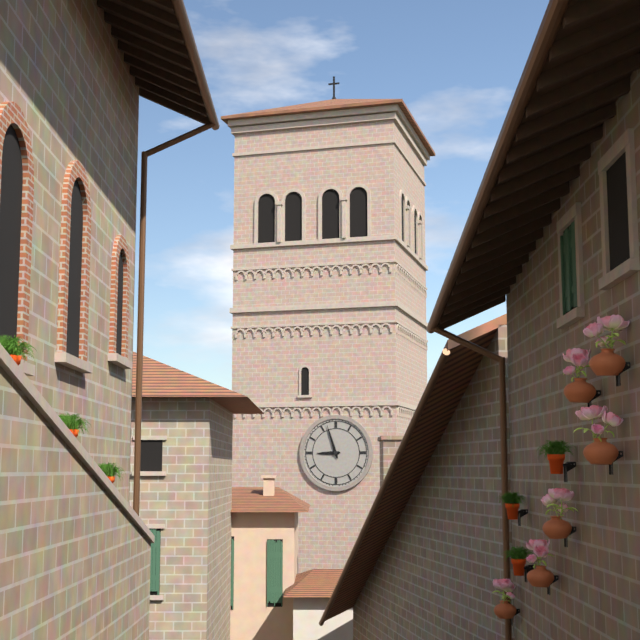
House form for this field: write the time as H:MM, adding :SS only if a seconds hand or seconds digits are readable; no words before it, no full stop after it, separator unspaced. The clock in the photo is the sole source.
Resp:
8:57
